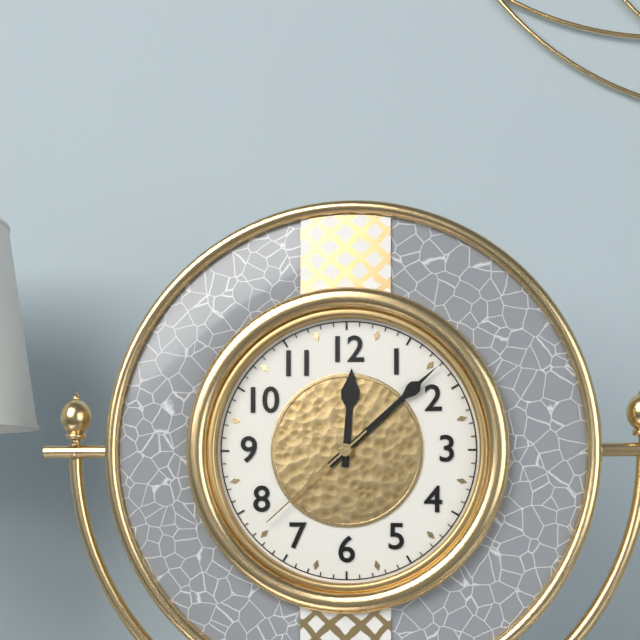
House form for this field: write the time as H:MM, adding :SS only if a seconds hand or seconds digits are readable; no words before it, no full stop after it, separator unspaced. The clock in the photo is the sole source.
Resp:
12:08:38
